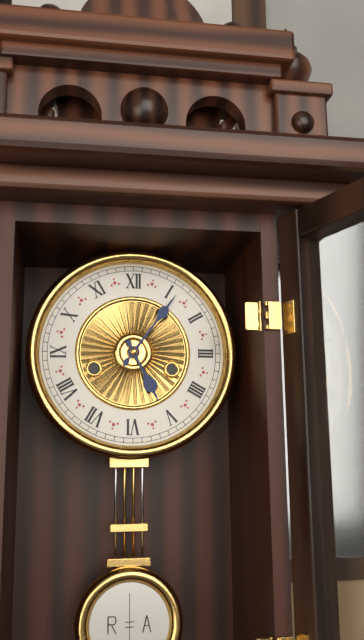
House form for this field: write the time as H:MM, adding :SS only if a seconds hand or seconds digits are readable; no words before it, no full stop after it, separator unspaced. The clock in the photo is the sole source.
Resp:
5:06
